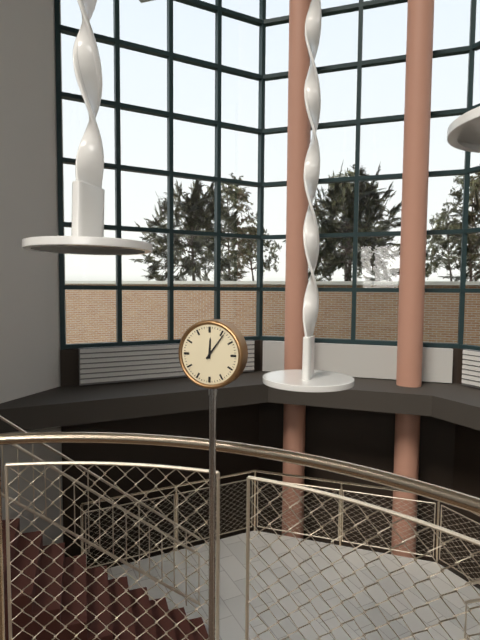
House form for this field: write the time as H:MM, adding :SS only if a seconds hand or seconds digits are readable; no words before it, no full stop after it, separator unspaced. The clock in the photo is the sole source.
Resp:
12:06
